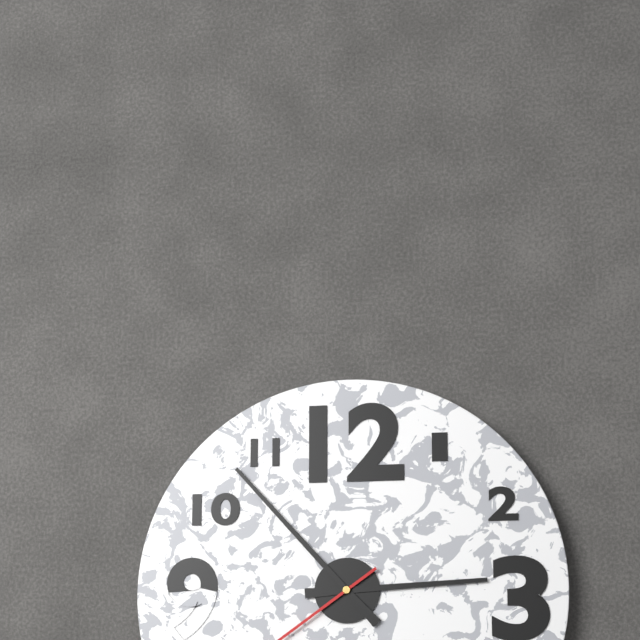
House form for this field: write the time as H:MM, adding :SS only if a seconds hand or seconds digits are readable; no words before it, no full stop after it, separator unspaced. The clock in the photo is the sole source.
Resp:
2:53
